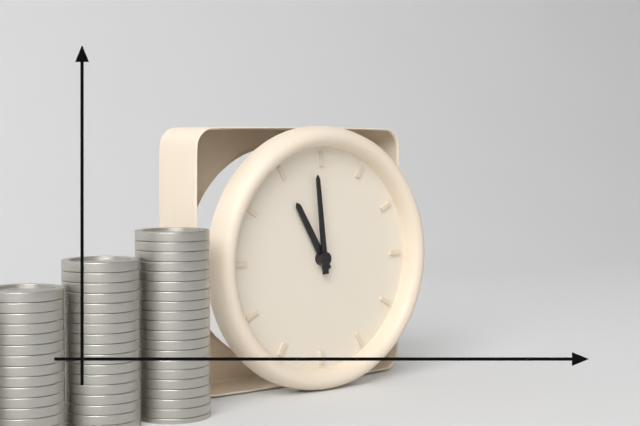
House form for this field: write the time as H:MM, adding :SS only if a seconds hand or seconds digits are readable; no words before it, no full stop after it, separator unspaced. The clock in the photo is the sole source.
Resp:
10:59
